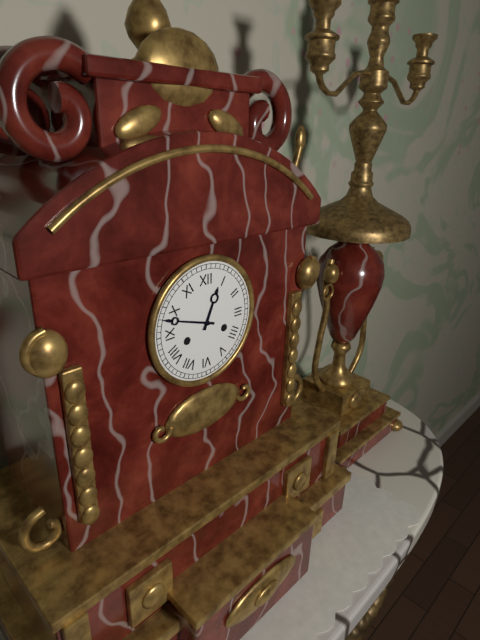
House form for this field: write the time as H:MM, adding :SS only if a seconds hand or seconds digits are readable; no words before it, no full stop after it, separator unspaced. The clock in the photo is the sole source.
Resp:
12:48
